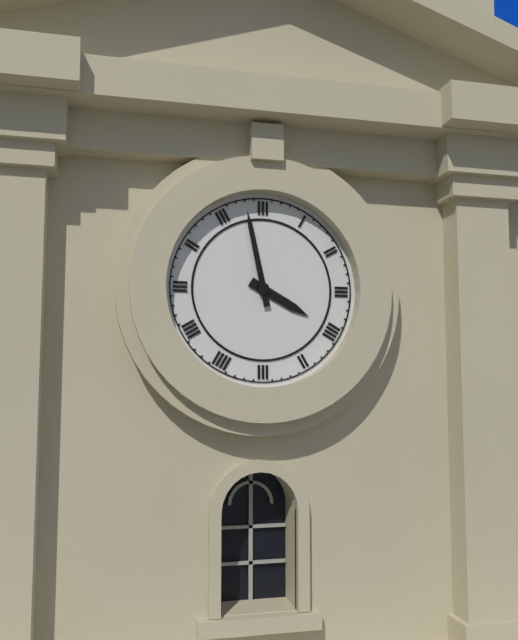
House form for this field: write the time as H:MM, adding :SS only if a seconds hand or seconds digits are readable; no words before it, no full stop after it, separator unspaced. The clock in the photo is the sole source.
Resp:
3:58
